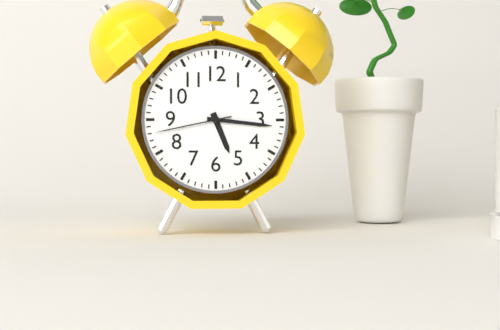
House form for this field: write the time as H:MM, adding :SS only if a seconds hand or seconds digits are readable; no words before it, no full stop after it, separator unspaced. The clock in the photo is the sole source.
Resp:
5:16:43
